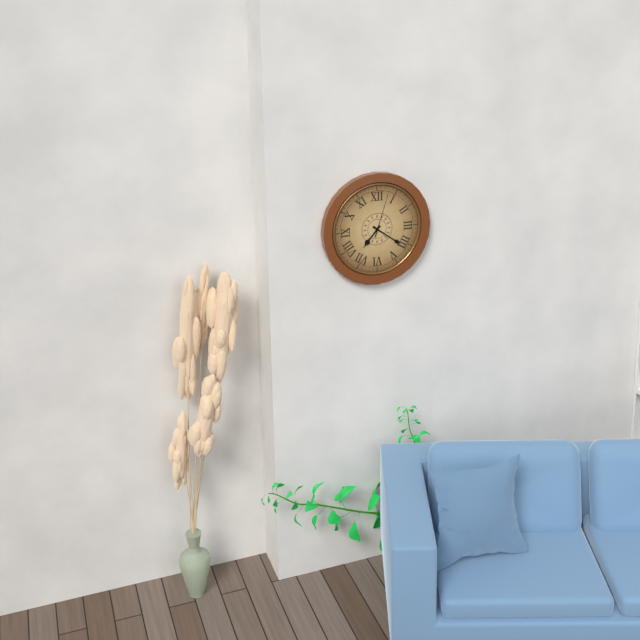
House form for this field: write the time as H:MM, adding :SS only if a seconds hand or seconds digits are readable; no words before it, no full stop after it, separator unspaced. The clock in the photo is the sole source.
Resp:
7:21
